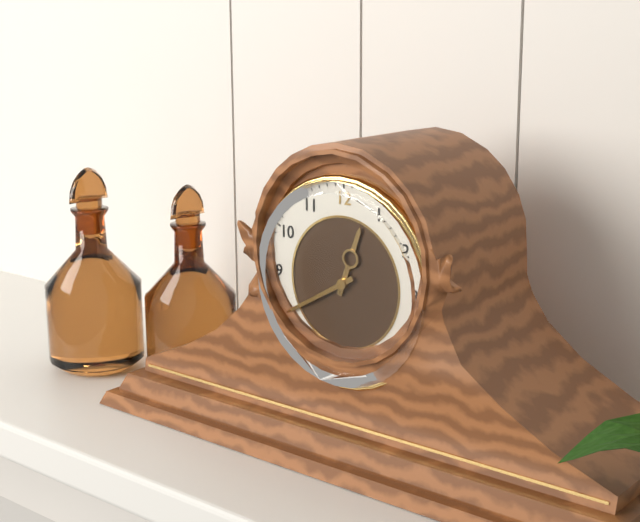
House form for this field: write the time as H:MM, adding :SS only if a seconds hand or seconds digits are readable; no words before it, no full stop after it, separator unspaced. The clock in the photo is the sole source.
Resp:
12:40
